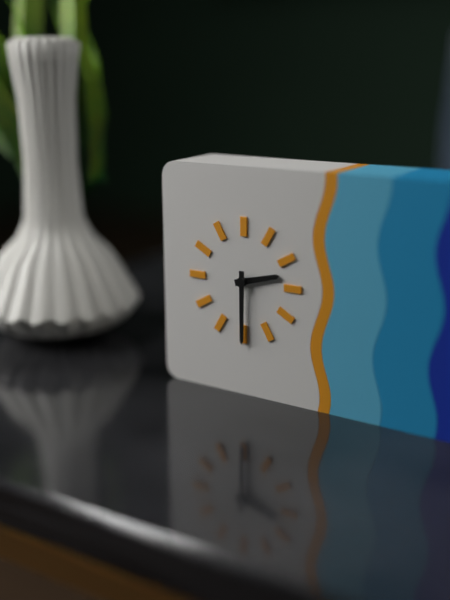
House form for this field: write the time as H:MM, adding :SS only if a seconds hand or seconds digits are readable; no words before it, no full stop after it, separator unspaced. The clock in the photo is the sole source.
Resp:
2:30
